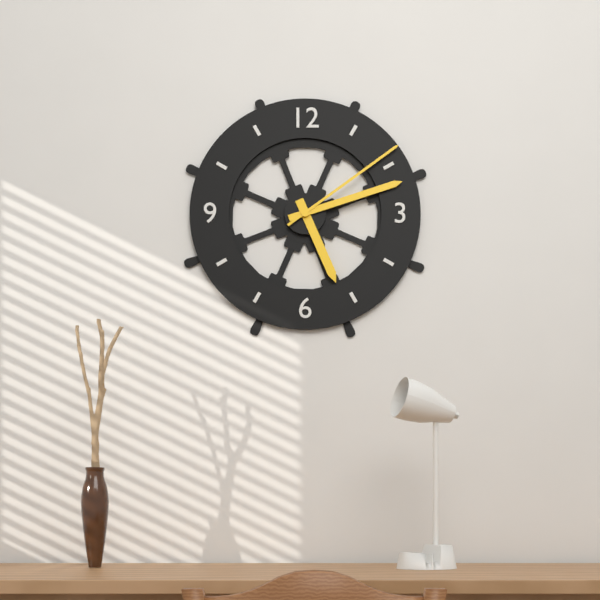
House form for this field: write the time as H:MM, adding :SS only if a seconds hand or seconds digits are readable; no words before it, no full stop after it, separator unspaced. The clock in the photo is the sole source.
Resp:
5:12:09
